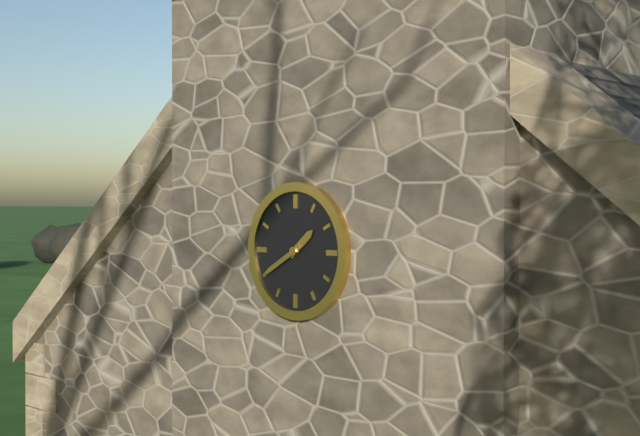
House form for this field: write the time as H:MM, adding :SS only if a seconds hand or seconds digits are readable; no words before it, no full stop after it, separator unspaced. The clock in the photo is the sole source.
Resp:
1:40
